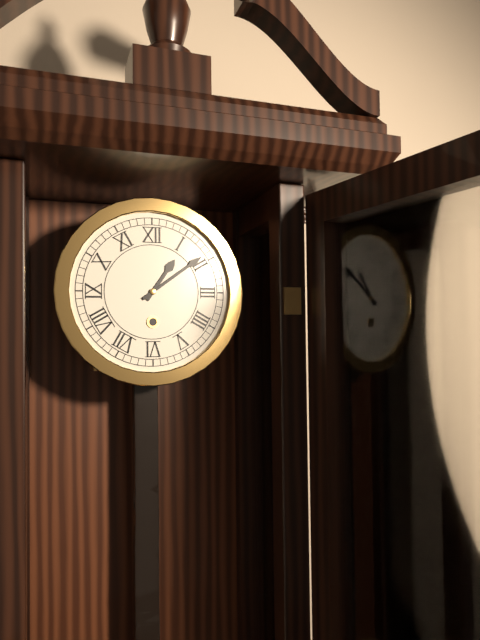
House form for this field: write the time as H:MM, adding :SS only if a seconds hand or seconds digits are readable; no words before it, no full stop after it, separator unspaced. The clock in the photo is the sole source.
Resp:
1:09
